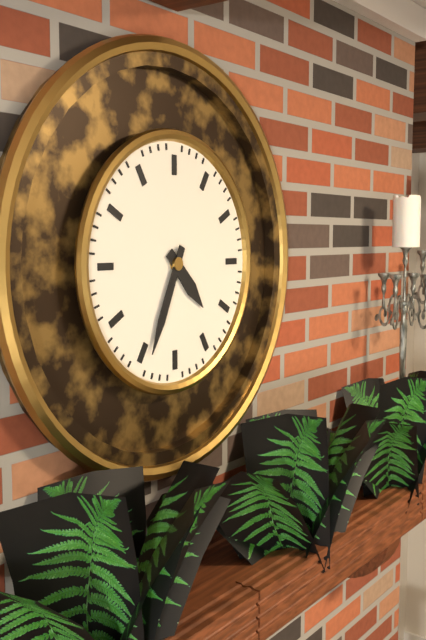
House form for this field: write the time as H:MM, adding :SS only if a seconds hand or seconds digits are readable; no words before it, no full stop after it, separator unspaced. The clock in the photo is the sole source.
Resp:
4:34
